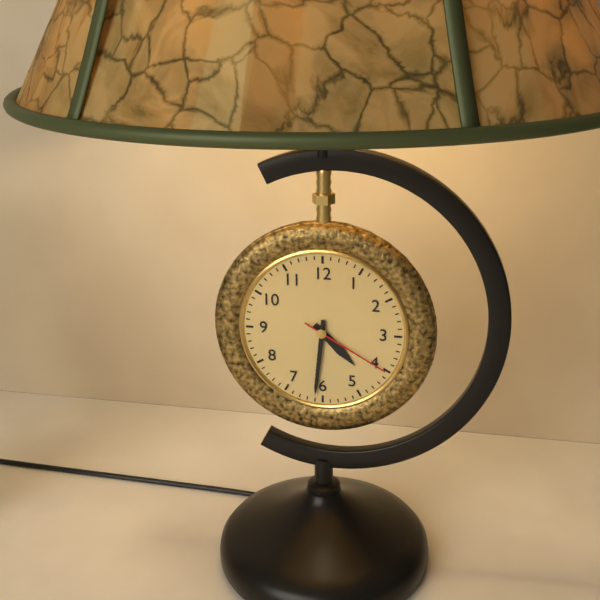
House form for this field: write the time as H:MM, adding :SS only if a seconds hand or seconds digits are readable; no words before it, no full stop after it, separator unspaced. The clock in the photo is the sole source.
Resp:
4:31:20
